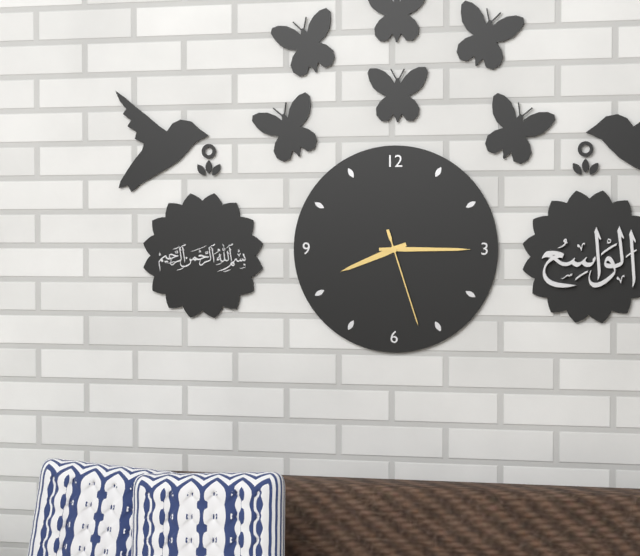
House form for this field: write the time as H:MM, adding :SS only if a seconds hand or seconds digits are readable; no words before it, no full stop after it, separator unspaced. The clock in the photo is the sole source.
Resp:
8:15:27
